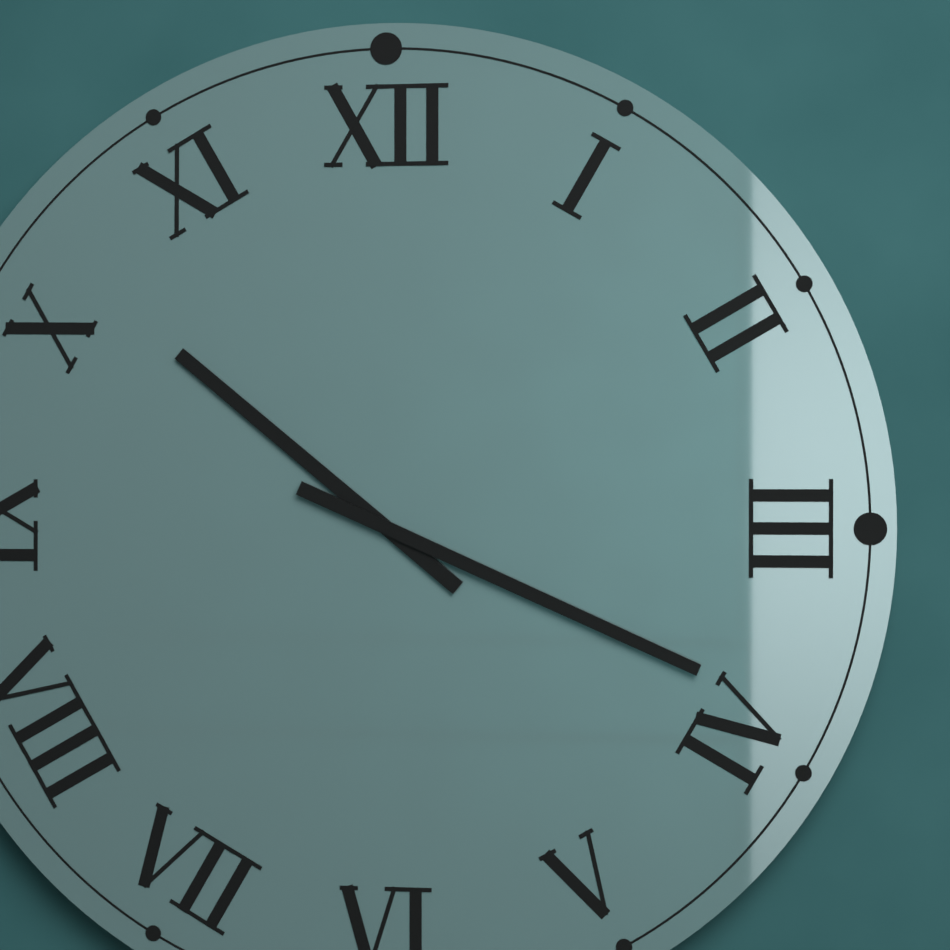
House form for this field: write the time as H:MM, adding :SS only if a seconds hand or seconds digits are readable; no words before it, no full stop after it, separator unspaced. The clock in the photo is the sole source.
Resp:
10:19
